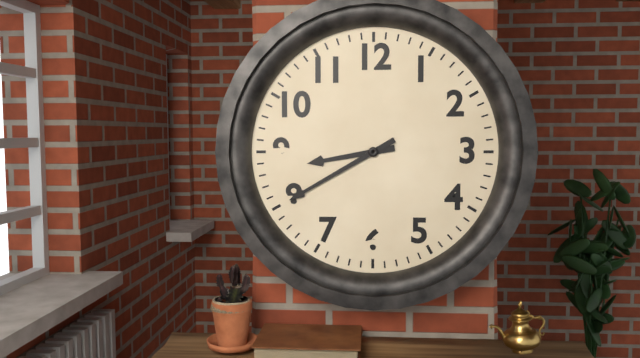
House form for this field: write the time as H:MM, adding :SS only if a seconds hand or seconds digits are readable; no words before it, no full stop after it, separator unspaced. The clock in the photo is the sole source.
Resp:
8:40
